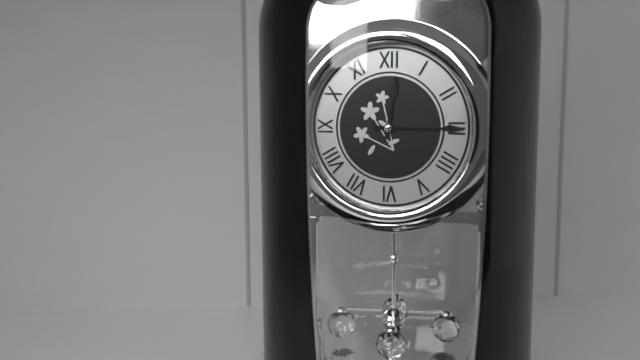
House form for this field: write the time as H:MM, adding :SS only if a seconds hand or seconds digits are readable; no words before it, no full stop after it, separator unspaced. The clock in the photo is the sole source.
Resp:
12:15
